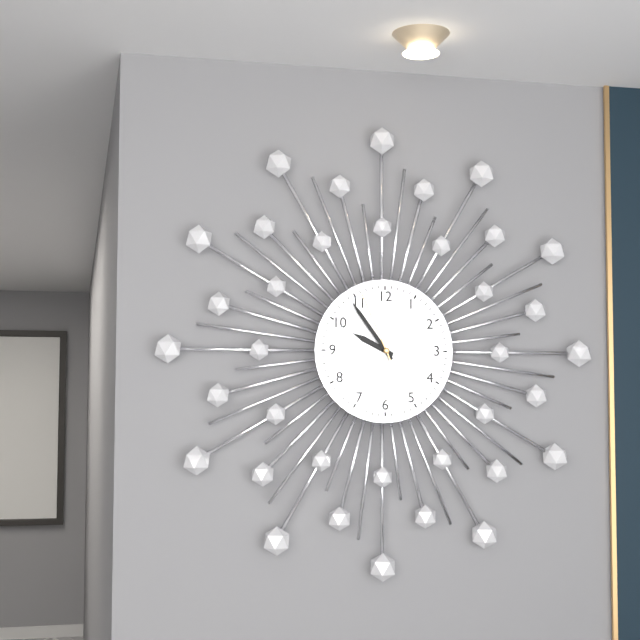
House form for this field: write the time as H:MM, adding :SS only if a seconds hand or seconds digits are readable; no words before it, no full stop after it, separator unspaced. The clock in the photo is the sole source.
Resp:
9:54:56
